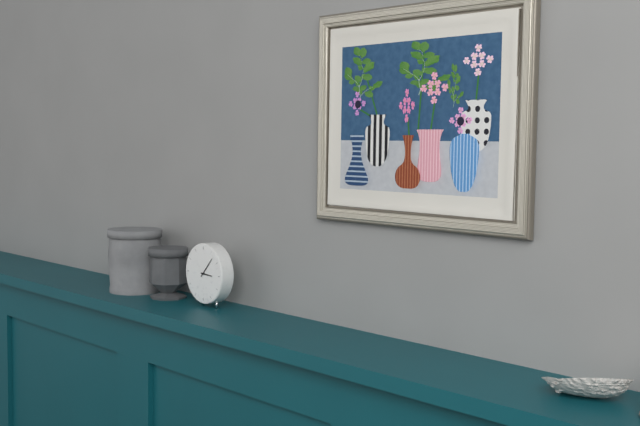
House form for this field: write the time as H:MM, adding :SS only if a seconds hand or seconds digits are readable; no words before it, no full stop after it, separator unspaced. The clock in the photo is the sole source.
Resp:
3:07
